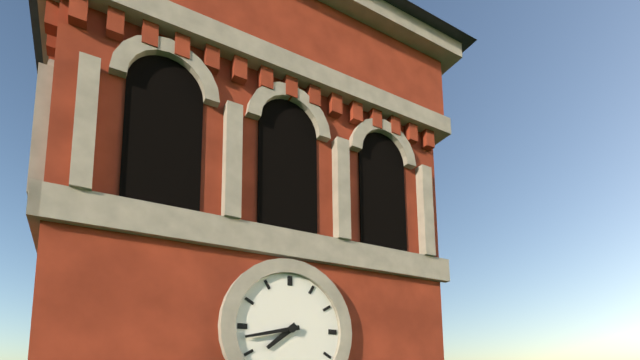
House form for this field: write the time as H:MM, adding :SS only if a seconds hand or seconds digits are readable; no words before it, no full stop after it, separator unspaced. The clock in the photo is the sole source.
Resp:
7:43
